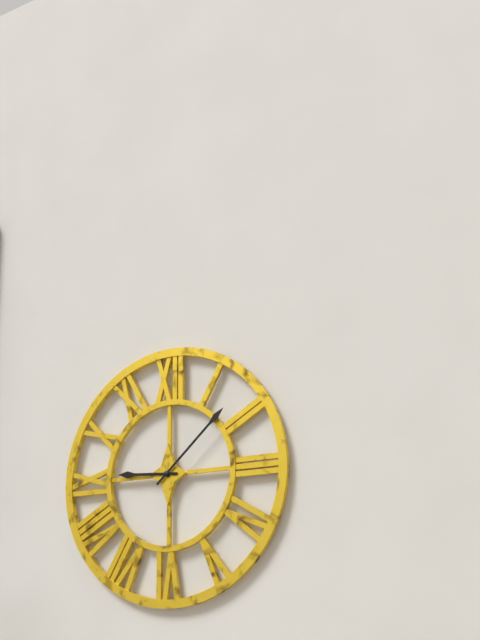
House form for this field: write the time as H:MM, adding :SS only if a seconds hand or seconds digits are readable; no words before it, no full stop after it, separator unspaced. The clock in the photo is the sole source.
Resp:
9:08
